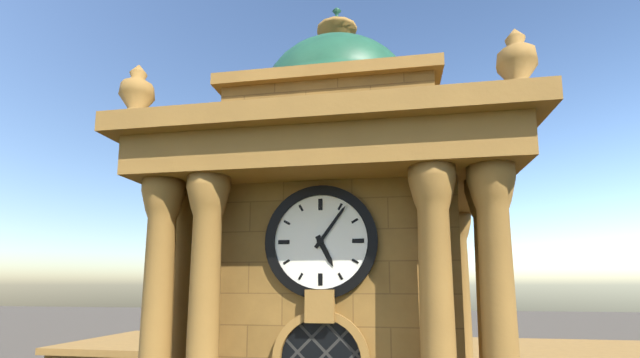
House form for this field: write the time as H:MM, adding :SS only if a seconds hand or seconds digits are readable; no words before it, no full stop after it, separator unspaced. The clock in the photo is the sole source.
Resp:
5:06
